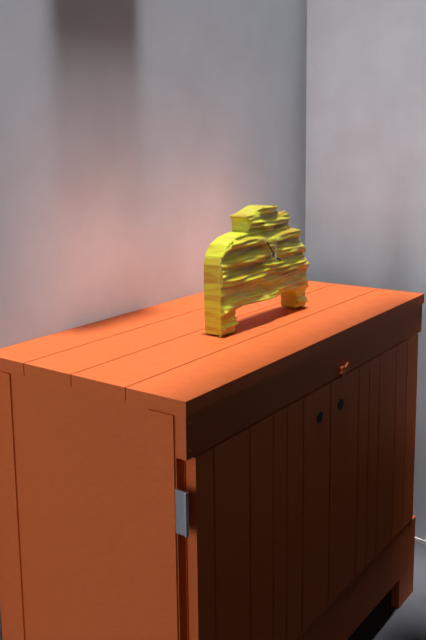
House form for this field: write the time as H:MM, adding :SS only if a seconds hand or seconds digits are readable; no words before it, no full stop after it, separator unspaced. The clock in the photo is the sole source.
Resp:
3:53
